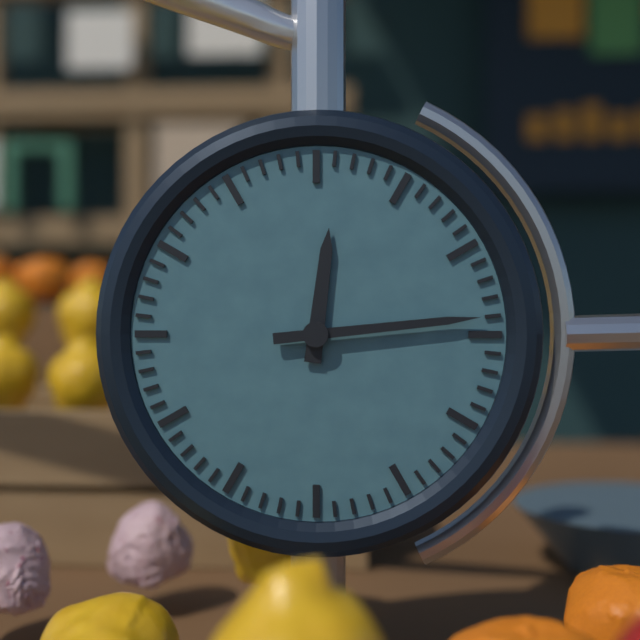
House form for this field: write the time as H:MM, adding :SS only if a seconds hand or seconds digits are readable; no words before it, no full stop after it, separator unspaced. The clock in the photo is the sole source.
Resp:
12:14
